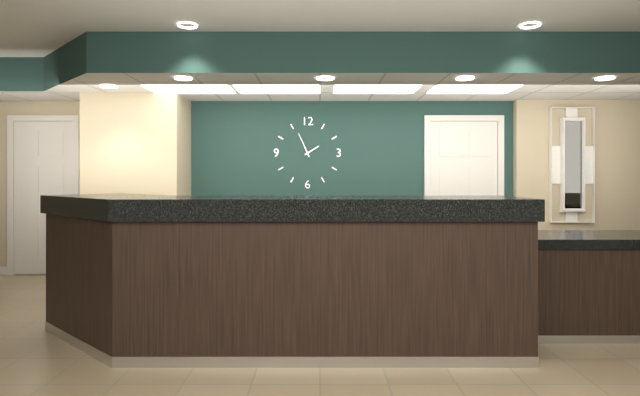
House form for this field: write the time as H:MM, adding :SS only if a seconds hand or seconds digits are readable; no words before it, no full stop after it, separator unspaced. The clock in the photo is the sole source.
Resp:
1:56
